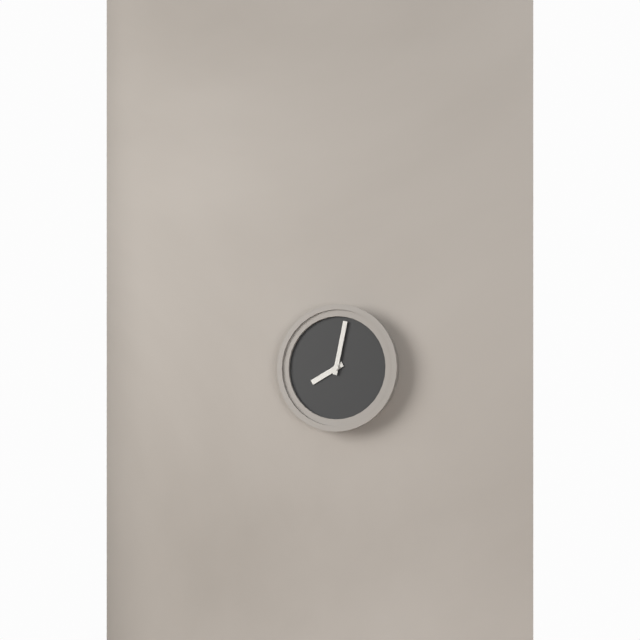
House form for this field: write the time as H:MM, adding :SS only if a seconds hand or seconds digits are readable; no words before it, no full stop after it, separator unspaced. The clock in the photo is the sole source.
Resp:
8:02
